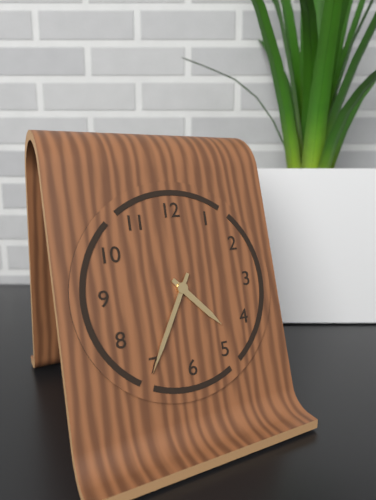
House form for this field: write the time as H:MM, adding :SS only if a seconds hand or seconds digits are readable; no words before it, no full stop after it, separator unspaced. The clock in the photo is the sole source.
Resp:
4:35
